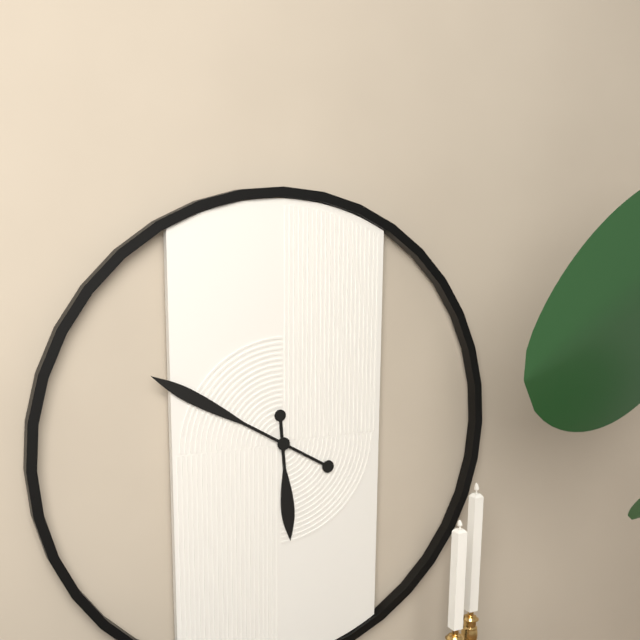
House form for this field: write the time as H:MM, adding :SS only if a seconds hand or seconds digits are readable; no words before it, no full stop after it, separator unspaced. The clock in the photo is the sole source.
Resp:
5:50
